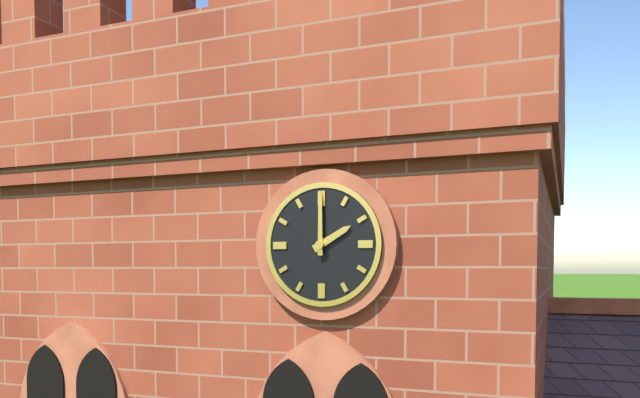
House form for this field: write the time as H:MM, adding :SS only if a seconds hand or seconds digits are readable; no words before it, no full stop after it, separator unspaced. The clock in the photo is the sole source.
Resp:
2:00
